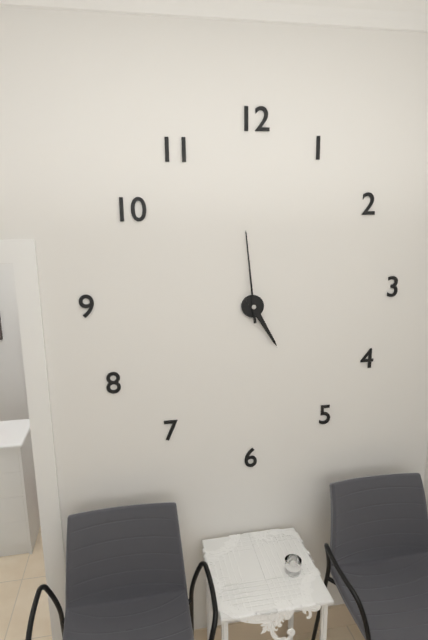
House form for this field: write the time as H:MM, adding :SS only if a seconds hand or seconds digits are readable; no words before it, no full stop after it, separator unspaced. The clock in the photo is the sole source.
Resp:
4:59
